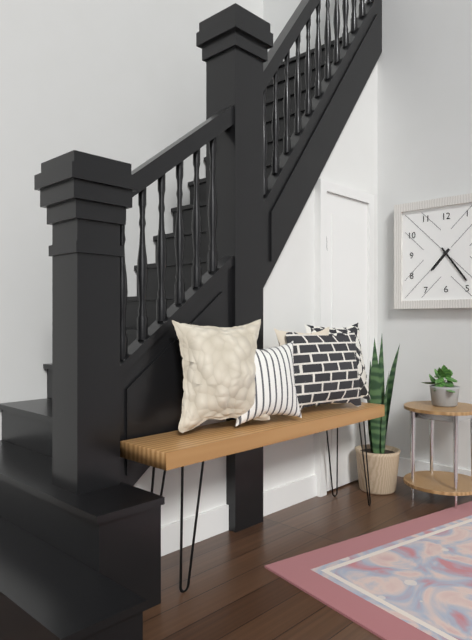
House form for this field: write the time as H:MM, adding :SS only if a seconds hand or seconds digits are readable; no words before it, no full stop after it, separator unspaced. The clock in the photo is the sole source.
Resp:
7:24
